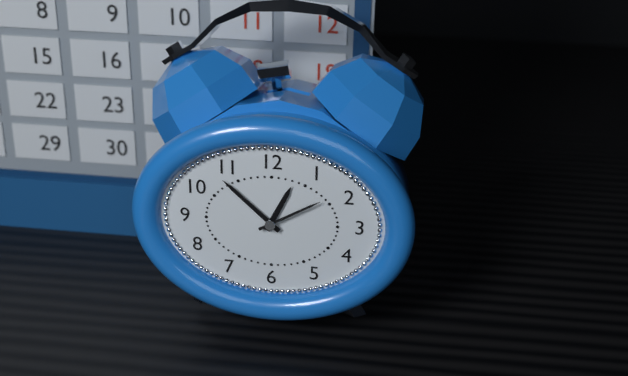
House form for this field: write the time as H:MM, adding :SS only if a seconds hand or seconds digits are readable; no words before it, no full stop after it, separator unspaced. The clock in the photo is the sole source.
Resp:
12:52:10
